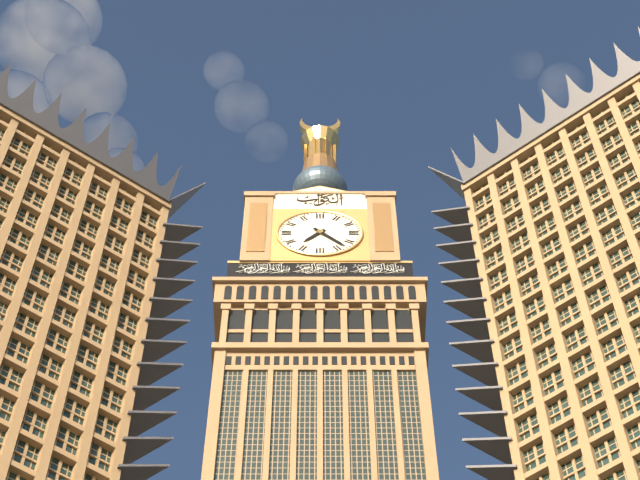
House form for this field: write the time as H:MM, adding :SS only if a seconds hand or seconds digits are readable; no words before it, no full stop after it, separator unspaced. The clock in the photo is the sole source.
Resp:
7:23
